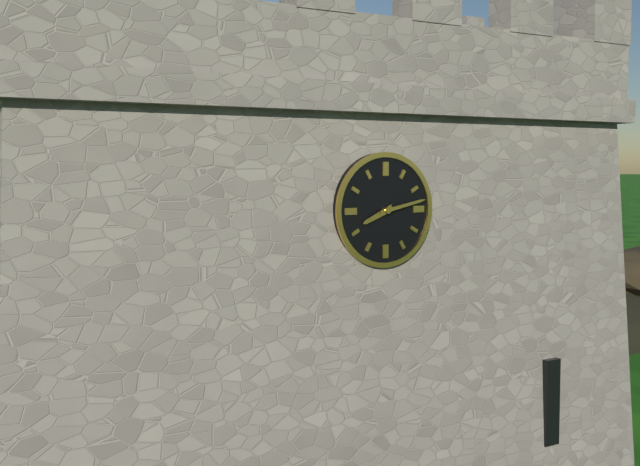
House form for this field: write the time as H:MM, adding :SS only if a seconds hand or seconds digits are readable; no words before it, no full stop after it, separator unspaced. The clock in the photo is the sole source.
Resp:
8:13
